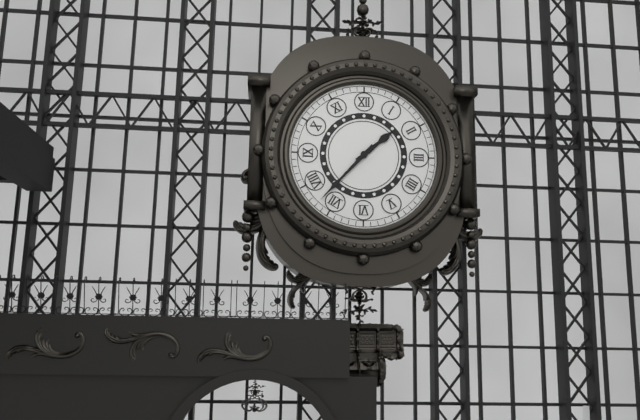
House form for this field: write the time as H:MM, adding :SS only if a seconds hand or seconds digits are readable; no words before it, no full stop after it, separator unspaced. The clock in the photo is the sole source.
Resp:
1:37
